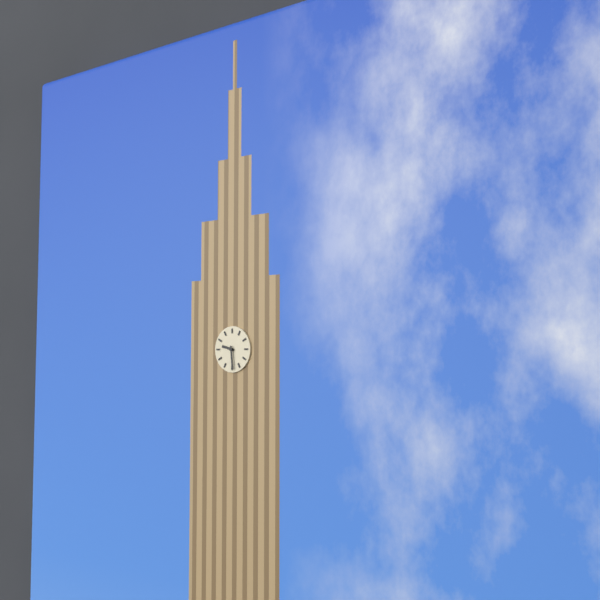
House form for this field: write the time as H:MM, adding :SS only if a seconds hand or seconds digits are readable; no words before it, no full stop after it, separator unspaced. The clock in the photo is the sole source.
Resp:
9:29
